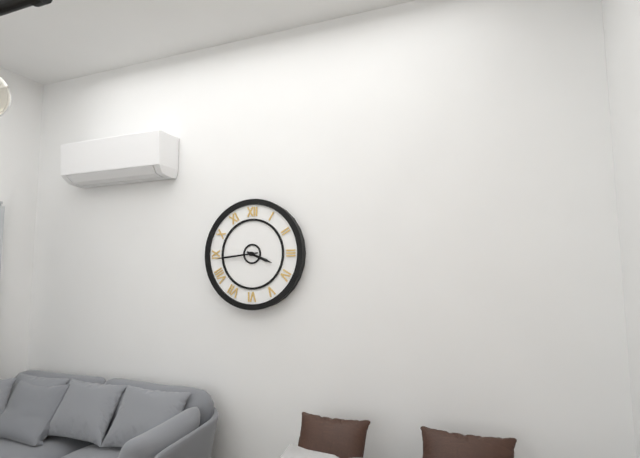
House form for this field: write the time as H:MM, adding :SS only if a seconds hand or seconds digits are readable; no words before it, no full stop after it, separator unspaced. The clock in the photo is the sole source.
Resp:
3:44
